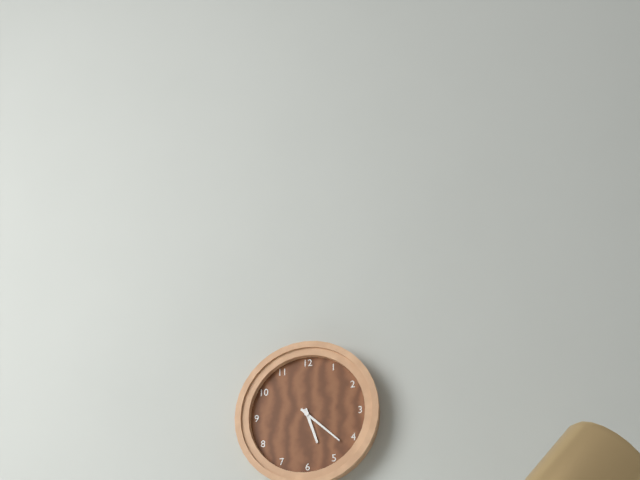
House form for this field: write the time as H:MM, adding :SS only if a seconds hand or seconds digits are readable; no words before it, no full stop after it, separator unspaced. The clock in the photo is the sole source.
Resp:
5:22
